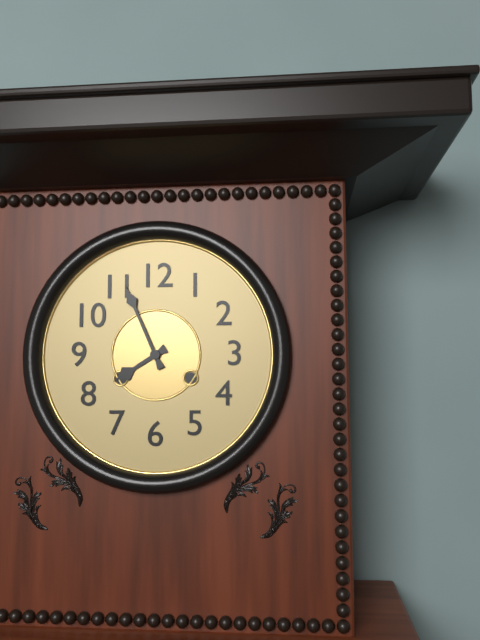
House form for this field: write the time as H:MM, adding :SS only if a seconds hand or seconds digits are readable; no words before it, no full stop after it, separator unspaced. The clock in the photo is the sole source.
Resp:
7:56
